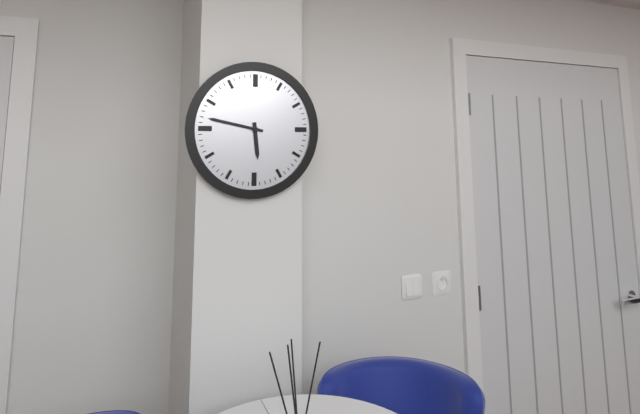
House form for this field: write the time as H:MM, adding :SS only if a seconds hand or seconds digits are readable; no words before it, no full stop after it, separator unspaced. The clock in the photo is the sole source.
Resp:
5:47
